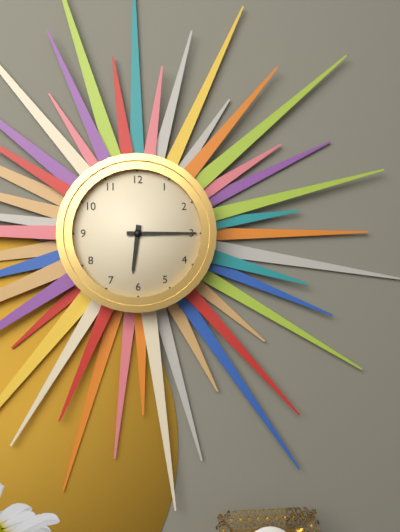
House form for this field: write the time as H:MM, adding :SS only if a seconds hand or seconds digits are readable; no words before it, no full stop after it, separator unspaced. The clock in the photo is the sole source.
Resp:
6:15
